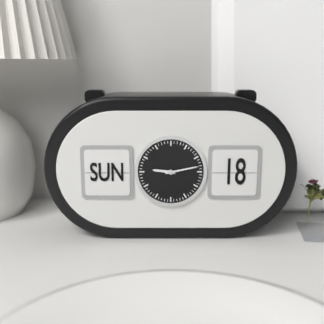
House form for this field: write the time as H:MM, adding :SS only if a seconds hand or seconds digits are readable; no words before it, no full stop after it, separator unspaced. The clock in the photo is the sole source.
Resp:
9:13
